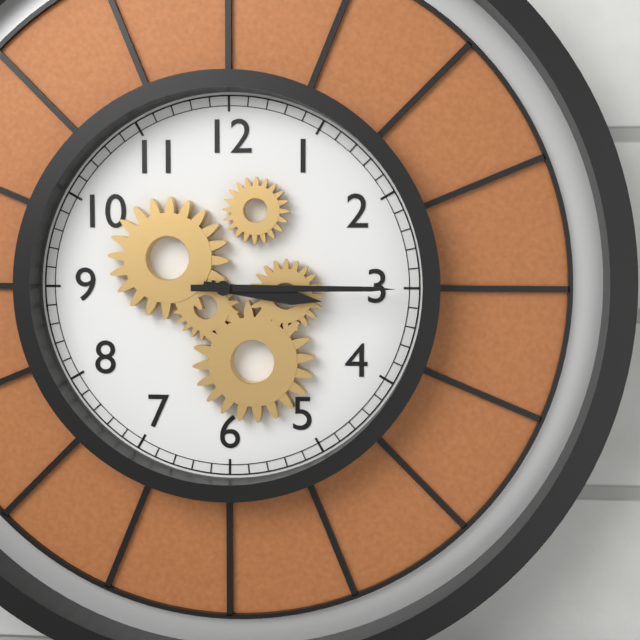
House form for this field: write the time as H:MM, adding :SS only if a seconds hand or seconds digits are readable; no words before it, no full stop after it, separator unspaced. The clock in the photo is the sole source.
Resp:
3:15
